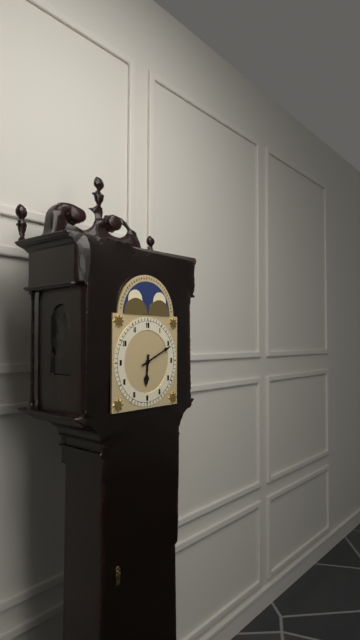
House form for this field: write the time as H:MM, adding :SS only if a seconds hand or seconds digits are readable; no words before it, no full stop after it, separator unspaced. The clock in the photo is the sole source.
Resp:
6:11
